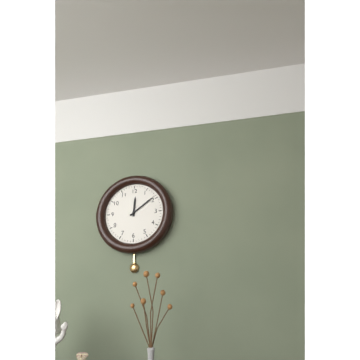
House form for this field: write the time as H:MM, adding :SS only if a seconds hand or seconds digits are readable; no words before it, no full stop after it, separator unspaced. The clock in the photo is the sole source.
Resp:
12:09
